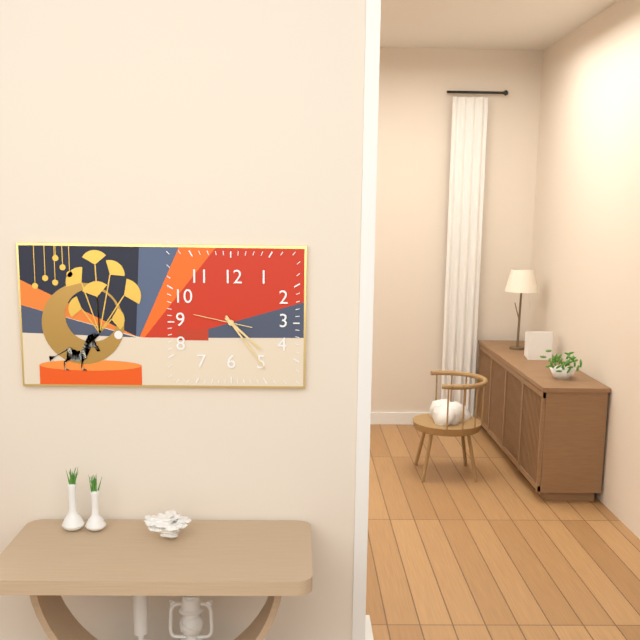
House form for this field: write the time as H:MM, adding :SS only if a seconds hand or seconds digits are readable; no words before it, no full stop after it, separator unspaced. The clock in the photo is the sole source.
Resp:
4:24
